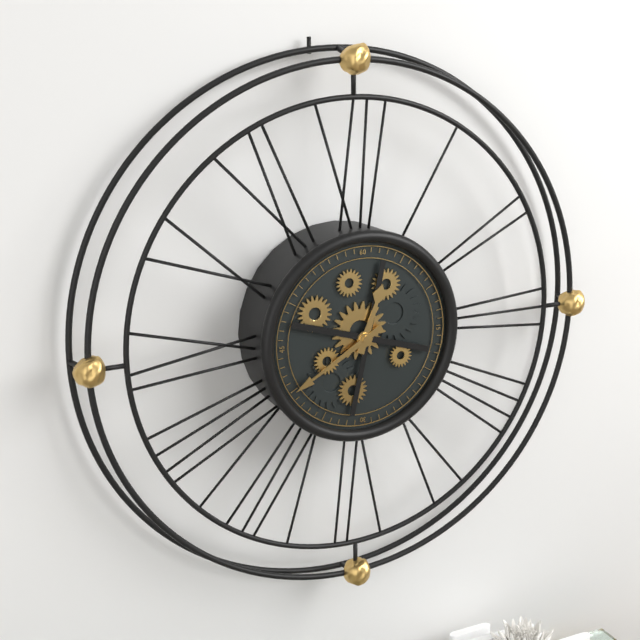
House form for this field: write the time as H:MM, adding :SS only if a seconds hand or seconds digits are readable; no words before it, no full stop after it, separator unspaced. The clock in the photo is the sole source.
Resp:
12:40
